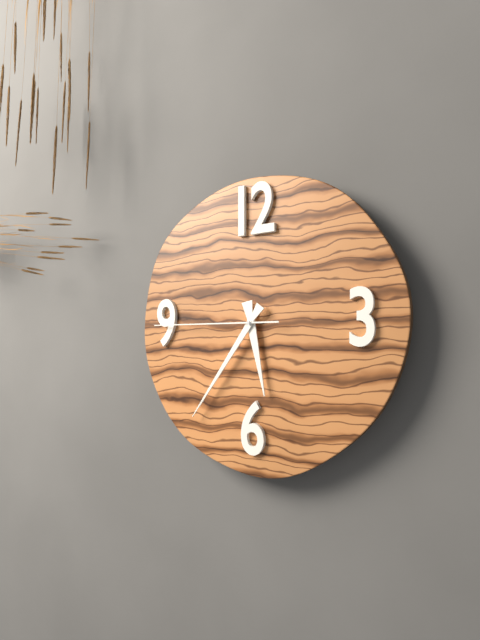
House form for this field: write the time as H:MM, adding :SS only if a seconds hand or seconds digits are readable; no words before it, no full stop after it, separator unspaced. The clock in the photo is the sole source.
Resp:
5:36:45
